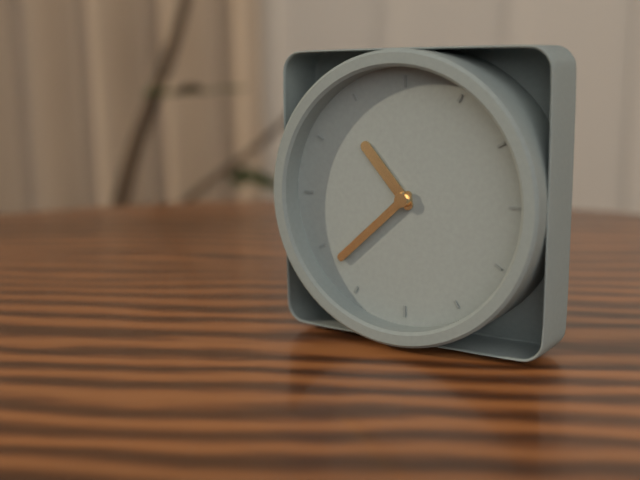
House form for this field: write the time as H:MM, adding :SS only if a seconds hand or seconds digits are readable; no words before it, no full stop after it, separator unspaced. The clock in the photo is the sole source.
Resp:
10:38
